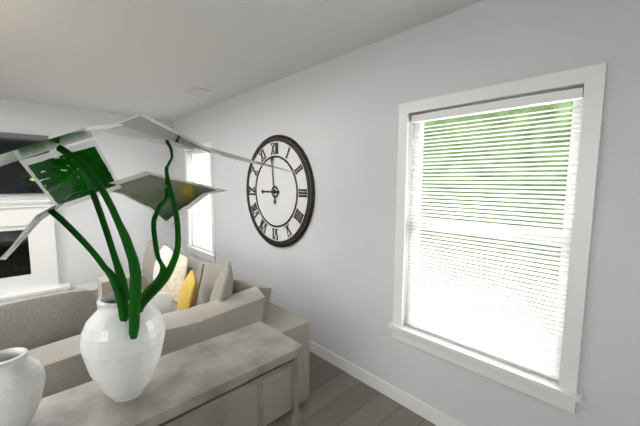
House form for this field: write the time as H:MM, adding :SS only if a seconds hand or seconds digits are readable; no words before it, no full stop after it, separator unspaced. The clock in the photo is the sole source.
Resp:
8:59
